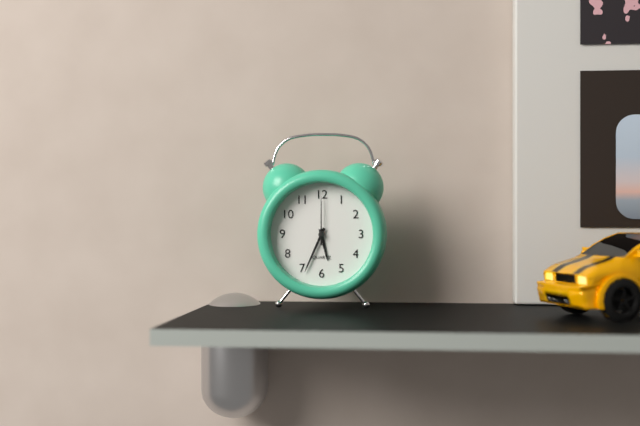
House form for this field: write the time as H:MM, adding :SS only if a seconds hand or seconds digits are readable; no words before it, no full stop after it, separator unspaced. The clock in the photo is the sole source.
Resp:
5:34
